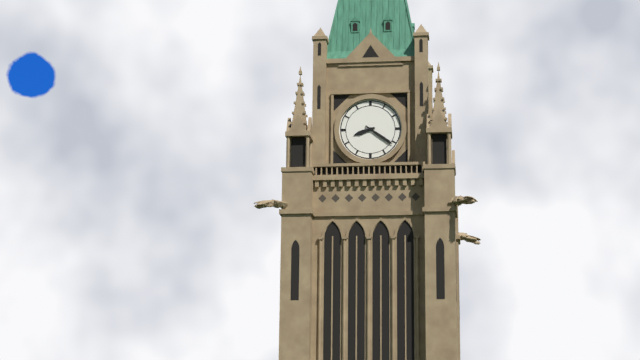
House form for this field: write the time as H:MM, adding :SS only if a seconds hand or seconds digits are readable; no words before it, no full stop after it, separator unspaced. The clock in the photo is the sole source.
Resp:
8:21
